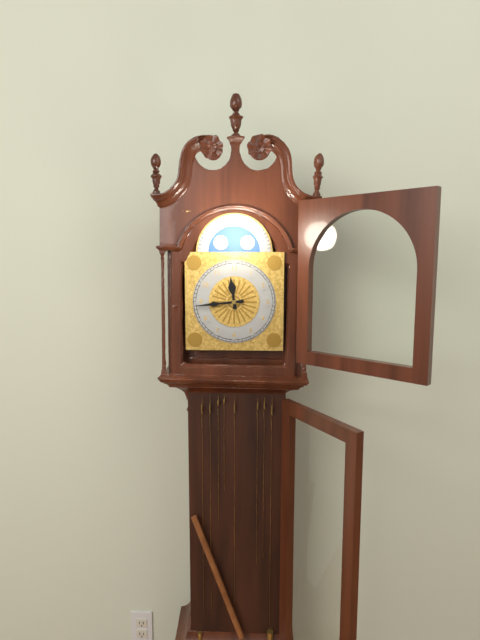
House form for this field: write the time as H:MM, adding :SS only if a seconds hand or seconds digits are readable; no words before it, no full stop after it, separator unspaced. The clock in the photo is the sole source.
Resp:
11:44
